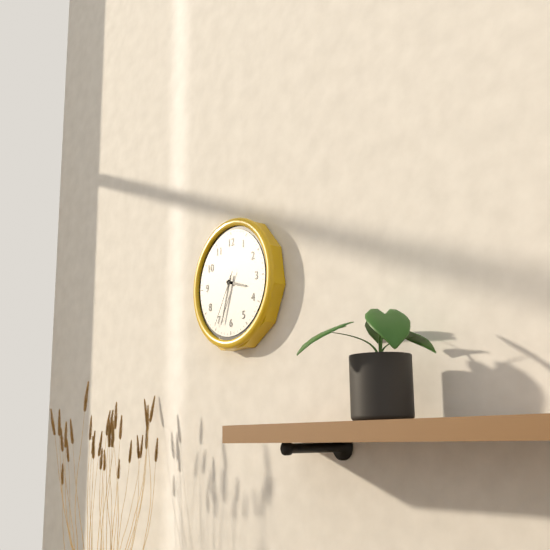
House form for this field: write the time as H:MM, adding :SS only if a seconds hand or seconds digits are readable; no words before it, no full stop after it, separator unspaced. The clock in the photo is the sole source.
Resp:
3:33:35
